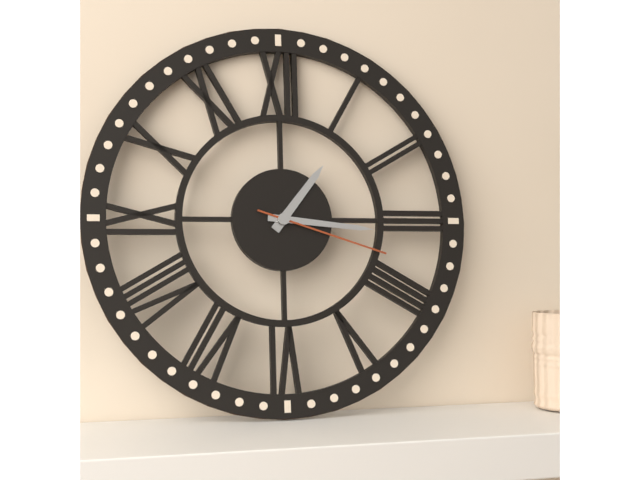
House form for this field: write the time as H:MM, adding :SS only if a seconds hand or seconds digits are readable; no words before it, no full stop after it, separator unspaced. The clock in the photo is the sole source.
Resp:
1:16:18
